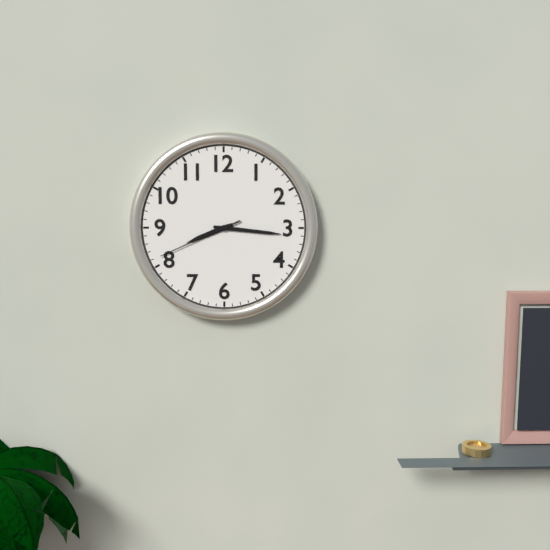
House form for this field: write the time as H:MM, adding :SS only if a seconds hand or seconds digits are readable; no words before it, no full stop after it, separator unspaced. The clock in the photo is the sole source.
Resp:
8:16:41
